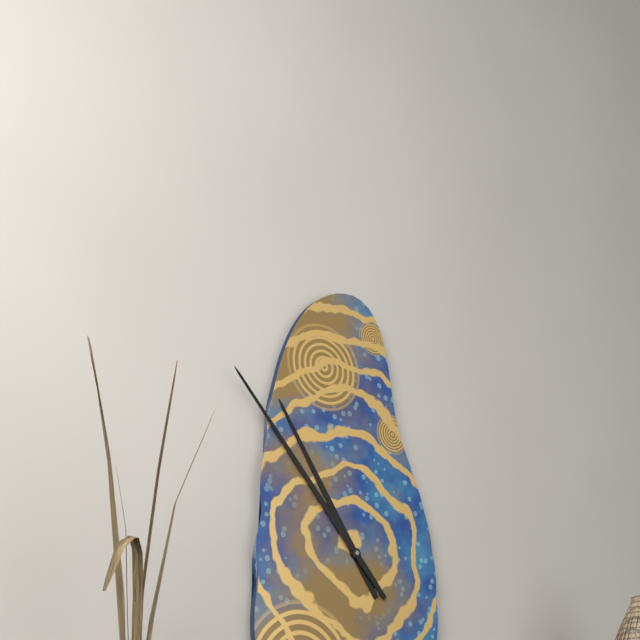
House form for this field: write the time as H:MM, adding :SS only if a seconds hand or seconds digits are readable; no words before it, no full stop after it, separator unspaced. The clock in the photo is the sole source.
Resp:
10:53
